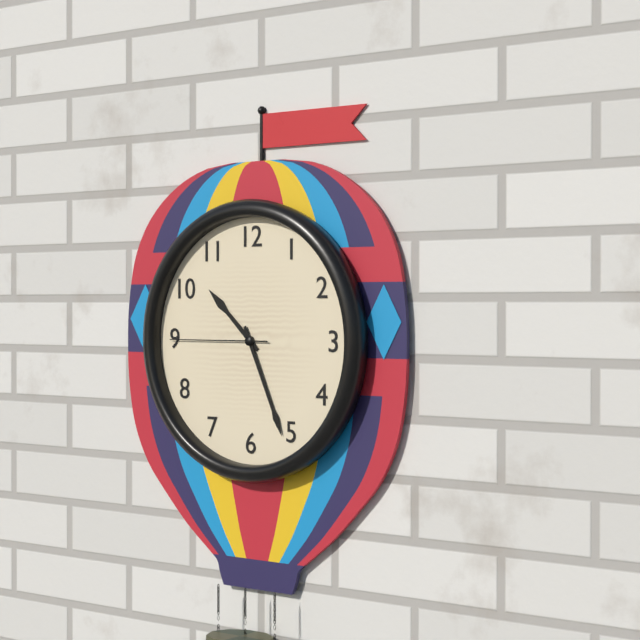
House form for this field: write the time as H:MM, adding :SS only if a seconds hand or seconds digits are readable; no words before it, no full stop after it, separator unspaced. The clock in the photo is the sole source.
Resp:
10:26:45
